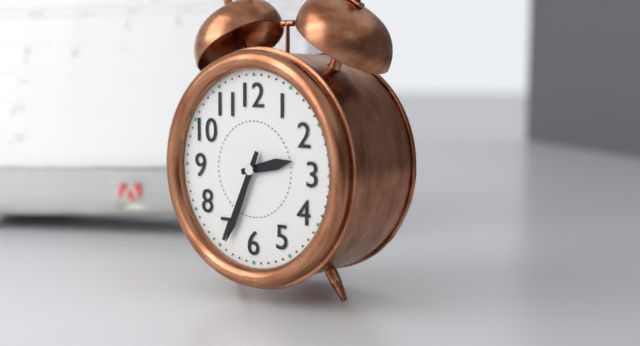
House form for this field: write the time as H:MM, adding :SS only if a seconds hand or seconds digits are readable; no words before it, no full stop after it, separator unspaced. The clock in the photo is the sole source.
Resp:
2:34
